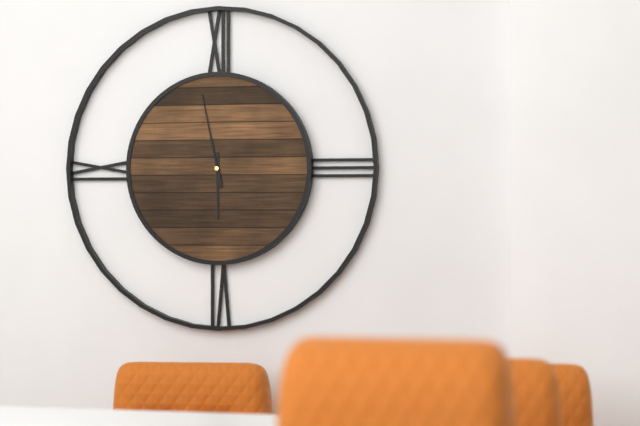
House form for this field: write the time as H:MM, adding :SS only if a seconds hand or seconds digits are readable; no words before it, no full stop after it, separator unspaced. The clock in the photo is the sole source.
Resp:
5:58
